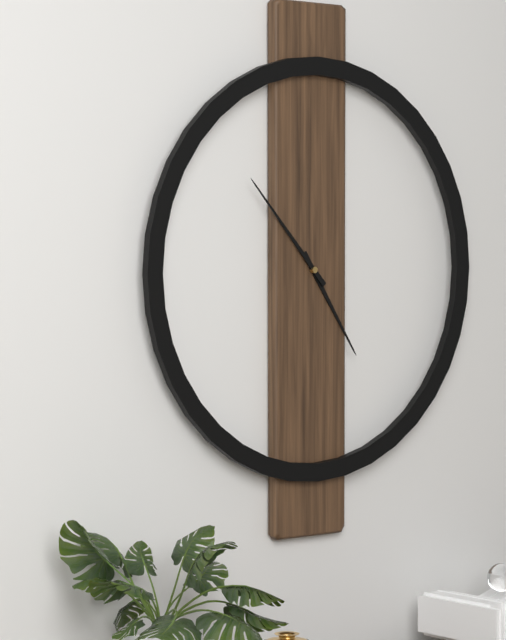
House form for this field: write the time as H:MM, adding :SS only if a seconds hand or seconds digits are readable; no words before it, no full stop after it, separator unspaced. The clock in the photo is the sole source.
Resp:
4:53
